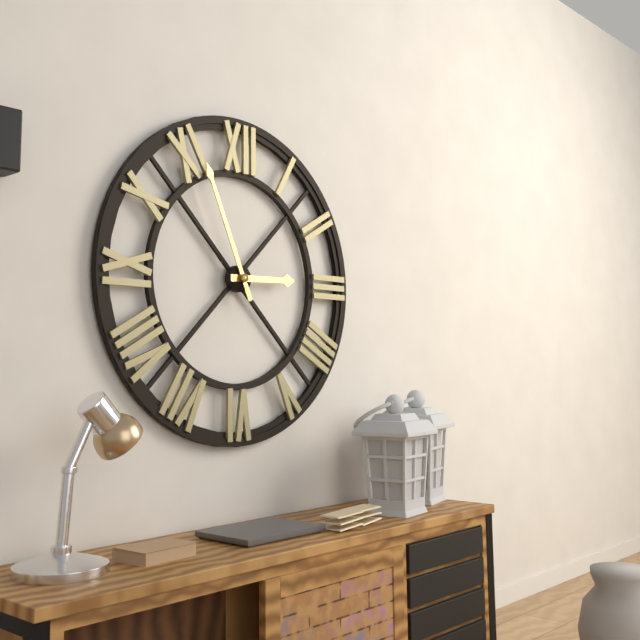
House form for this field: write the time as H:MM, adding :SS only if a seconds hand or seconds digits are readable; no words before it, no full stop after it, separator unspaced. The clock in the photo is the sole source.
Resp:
2:56
